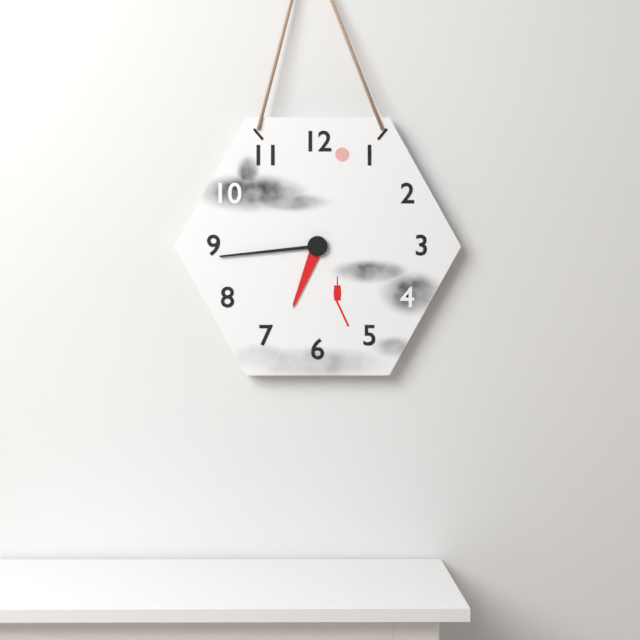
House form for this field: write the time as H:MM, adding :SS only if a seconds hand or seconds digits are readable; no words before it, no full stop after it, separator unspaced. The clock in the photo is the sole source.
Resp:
6:44
